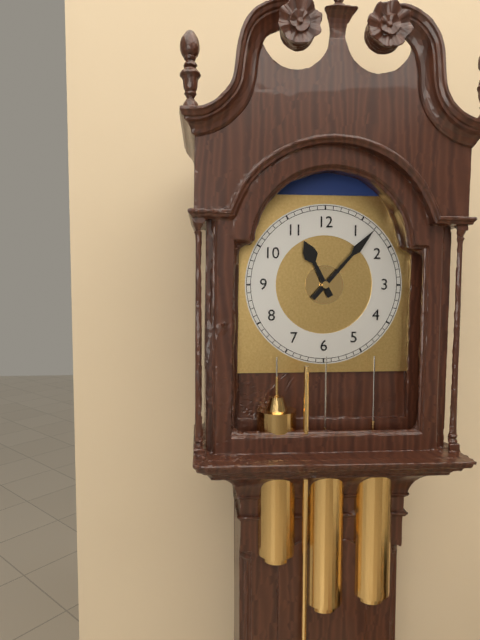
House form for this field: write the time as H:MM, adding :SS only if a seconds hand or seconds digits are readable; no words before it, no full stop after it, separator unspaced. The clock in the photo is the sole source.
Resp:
11:07
